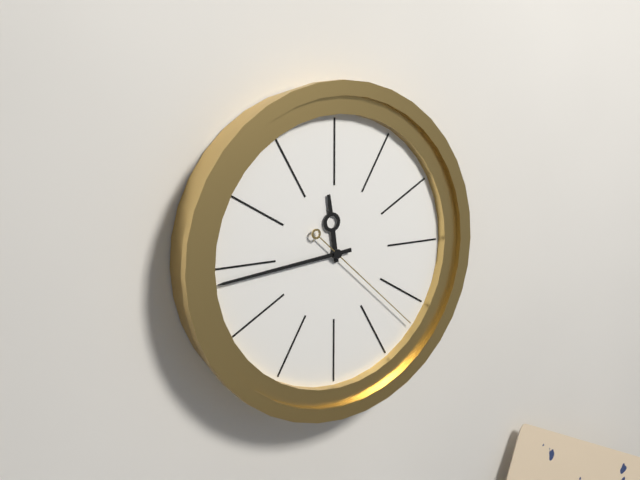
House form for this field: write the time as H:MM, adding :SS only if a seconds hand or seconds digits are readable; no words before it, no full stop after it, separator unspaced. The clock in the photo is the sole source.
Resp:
11:44:22
